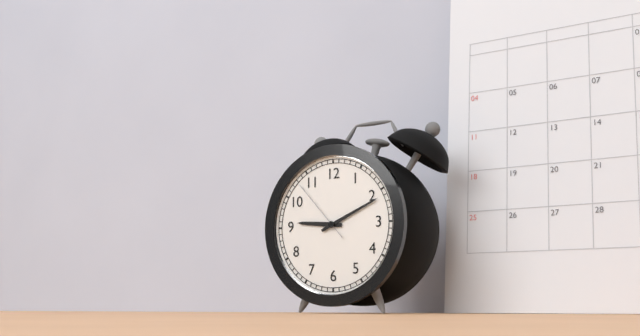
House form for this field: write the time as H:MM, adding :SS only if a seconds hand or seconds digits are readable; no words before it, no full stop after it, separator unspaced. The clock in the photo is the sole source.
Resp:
9:11:53
